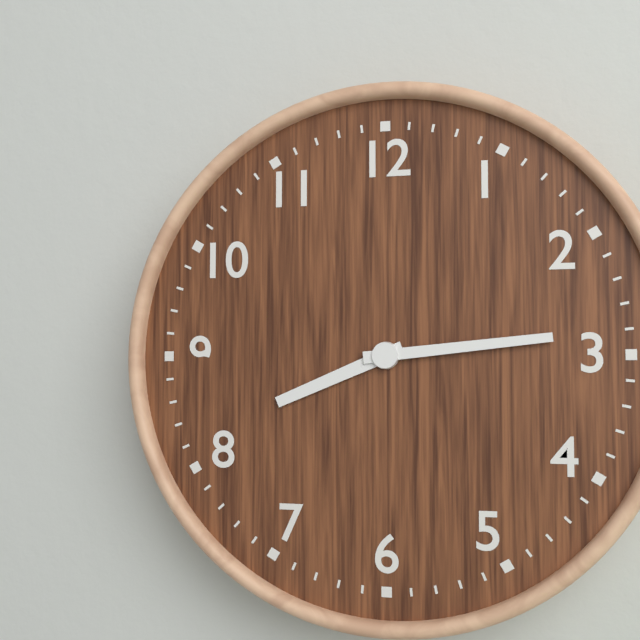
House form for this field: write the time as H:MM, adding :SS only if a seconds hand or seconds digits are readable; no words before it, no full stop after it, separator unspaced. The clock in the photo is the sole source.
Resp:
8:14
